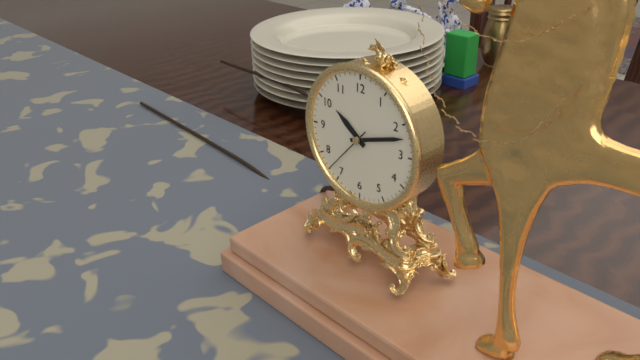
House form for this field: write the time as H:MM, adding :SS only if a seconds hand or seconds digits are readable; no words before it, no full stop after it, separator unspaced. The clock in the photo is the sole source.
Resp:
10:12:37
